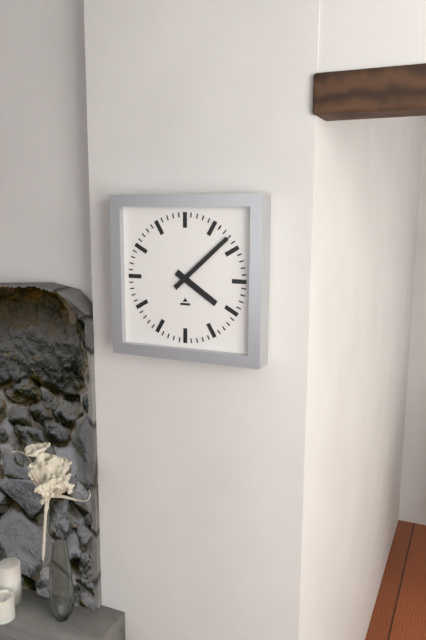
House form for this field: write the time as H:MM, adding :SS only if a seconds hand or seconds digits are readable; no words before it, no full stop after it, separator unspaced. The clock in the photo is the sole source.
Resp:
4:08
